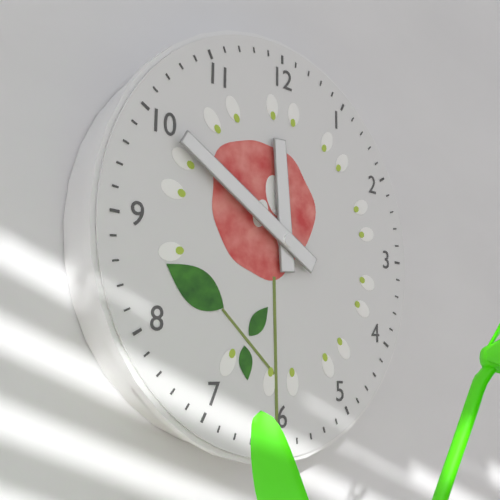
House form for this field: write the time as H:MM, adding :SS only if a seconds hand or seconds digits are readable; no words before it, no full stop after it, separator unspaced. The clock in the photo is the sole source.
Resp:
11:50
